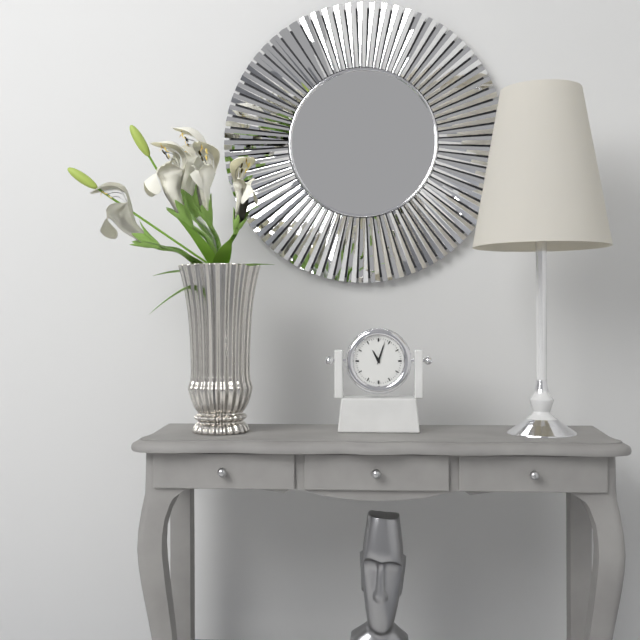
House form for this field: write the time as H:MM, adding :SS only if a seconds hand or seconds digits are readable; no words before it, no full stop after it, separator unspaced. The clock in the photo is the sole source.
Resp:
11:03
